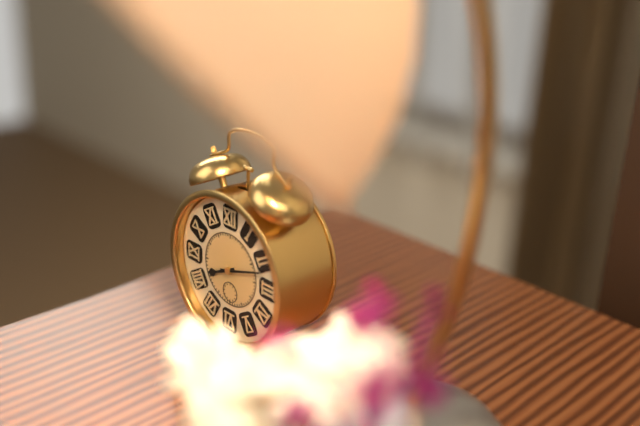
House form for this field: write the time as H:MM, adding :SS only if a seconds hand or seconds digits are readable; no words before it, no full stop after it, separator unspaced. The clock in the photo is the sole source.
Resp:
8:12
